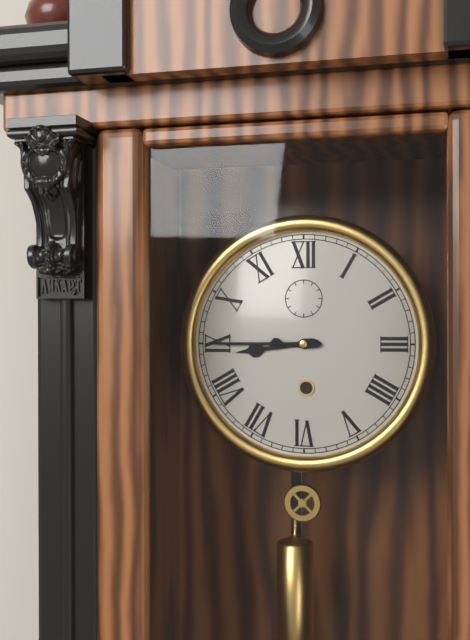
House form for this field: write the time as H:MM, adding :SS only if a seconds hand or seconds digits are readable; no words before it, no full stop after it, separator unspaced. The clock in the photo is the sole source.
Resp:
8:45
